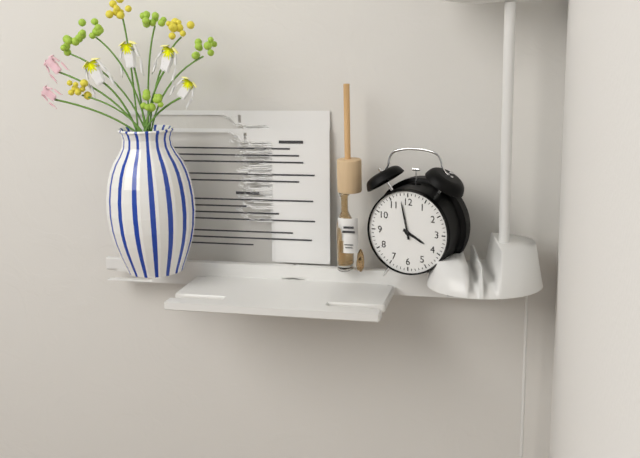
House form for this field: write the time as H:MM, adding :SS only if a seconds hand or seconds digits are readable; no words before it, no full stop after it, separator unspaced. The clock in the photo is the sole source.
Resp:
3:58
